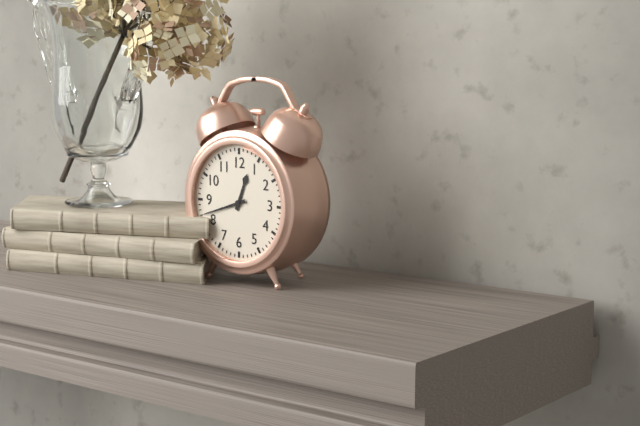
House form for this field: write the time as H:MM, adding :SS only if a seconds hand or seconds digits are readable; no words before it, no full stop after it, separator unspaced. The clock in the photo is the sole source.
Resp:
12:42
